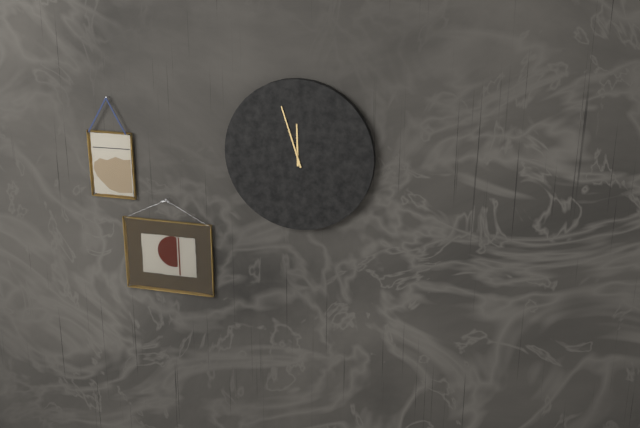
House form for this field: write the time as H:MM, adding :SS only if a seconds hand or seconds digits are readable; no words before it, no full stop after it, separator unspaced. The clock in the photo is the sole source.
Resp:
11:57
